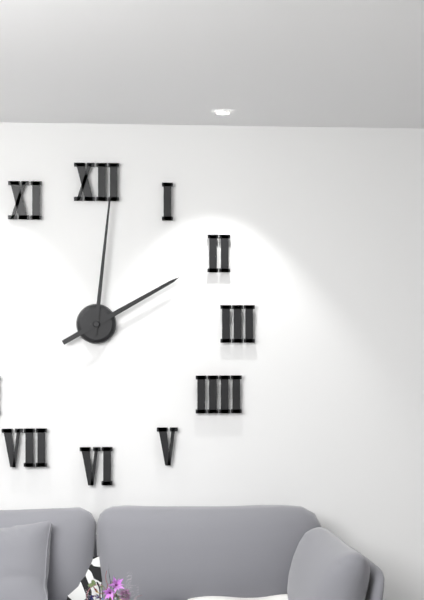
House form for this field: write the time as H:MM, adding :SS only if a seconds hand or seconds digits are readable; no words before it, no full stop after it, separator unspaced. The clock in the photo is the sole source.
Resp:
2:01
